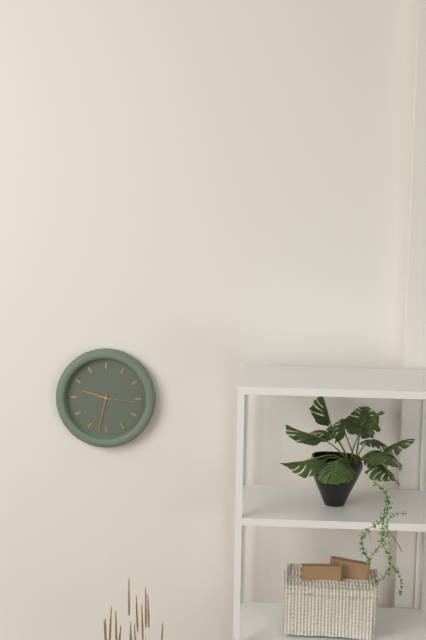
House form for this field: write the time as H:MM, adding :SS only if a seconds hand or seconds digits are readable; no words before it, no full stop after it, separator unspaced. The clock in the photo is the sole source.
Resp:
9:32
